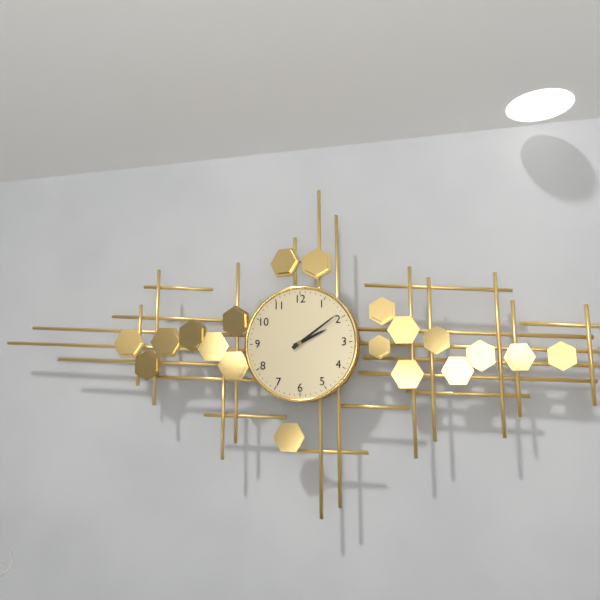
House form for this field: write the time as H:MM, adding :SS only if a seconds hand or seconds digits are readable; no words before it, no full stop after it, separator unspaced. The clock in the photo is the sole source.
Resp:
2:09
